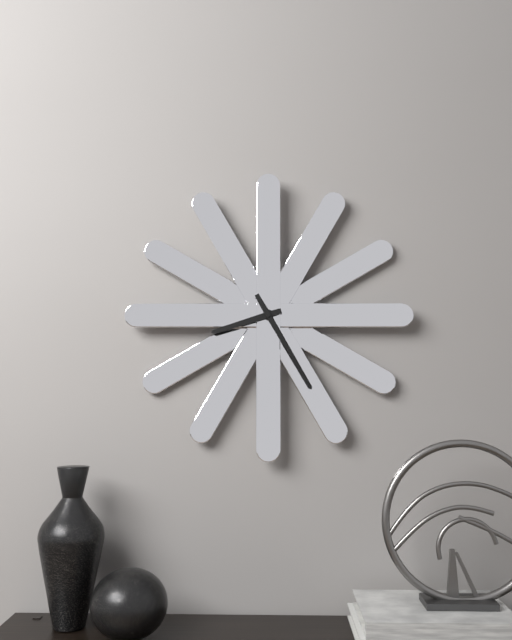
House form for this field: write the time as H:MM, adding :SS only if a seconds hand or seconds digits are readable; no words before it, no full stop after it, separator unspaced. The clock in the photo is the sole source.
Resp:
8:25
